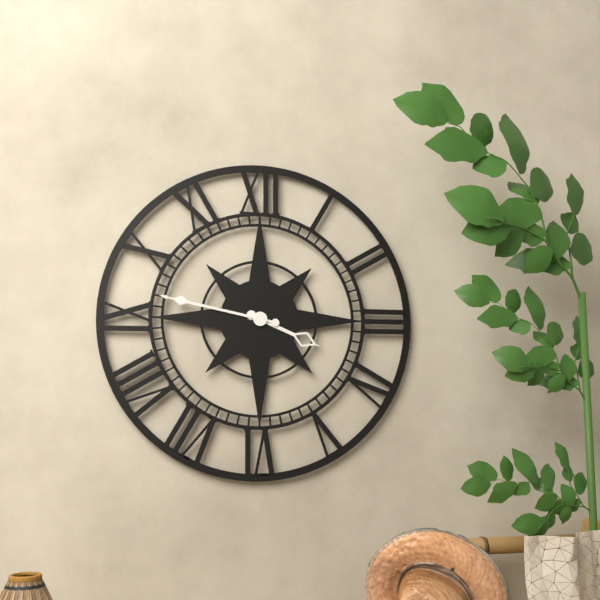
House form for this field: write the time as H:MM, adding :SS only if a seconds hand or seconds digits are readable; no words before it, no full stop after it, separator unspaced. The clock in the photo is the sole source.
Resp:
3:47
